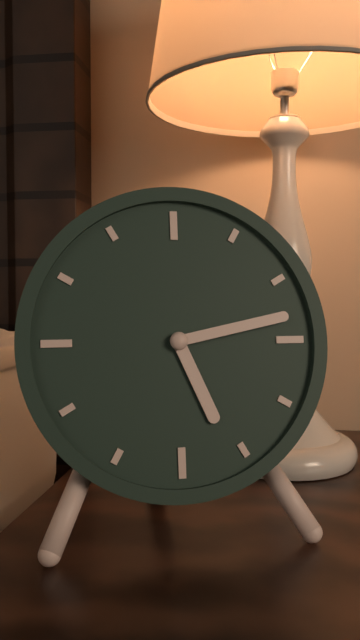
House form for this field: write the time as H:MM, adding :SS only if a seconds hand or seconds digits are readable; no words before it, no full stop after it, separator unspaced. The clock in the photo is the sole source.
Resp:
5:13
